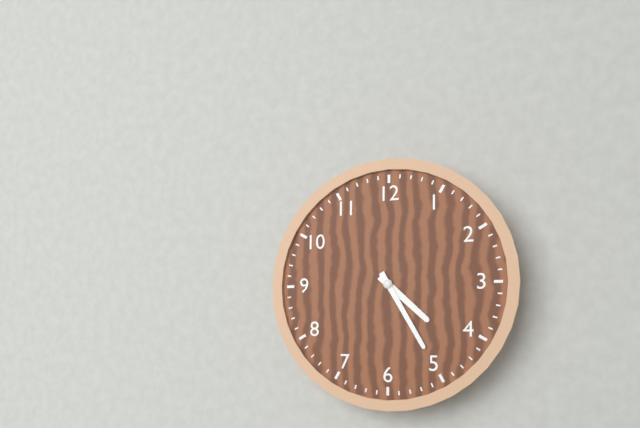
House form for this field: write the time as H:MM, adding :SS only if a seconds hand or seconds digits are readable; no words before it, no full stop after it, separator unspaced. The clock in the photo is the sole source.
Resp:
4:25
